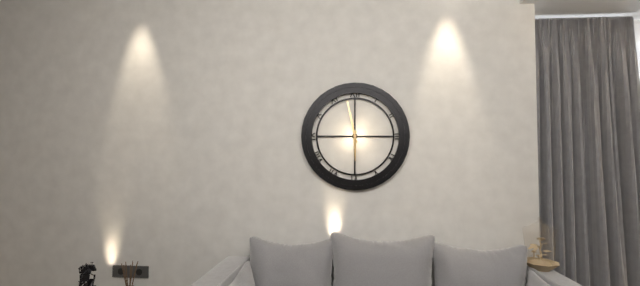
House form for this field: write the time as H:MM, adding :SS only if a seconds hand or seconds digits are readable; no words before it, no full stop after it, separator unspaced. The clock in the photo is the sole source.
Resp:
5:58
